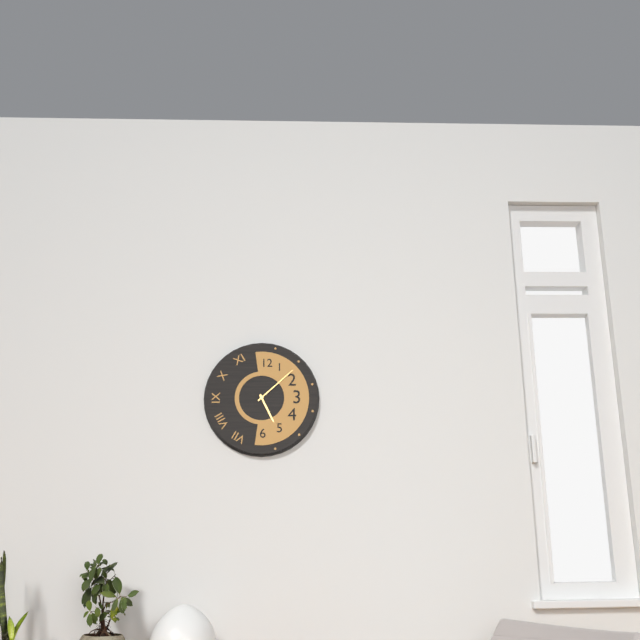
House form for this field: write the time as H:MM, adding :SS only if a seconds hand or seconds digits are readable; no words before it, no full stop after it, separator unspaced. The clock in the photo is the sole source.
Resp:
5:08
